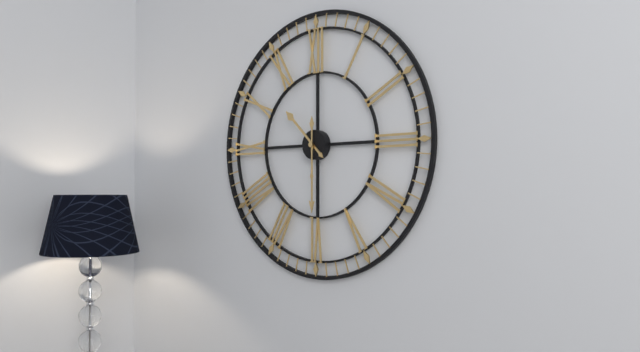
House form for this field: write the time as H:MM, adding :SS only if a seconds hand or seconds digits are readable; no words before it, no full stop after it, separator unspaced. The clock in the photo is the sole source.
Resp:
10:30
